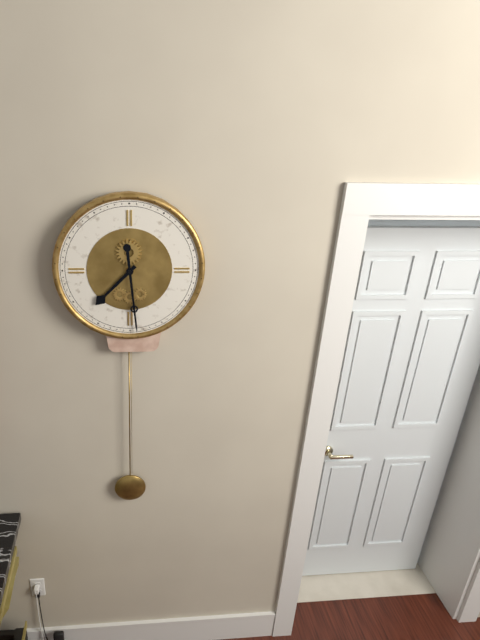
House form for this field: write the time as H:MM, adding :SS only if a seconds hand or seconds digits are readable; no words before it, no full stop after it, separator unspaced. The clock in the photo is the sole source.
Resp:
7:29
